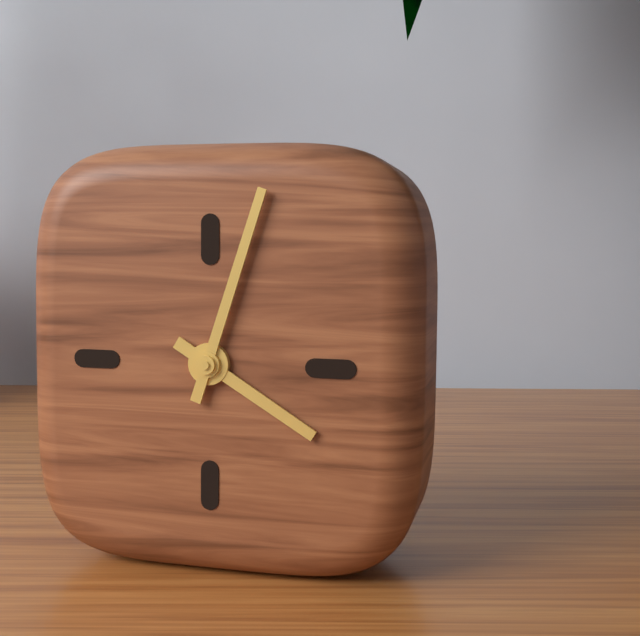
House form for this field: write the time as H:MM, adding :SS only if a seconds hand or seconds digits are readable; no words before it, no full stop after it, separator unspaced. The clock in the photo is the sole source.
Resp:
4:03
